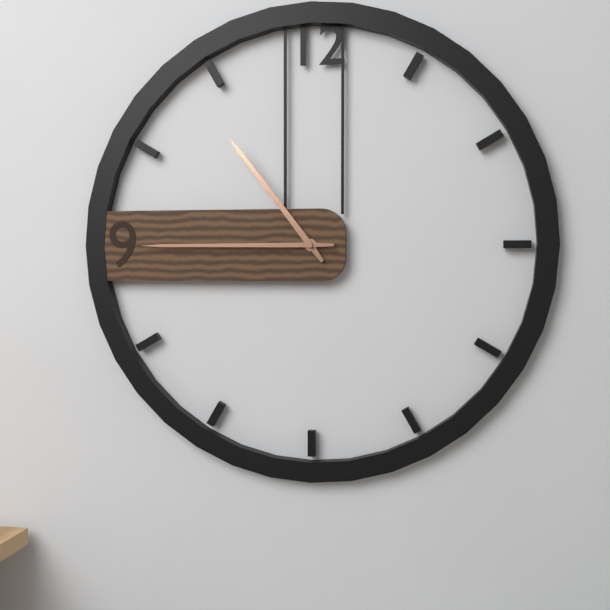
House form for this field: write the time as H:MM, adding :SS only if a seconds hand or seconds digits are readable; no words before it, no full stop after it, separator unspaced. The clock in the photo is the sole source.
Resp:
10:45
